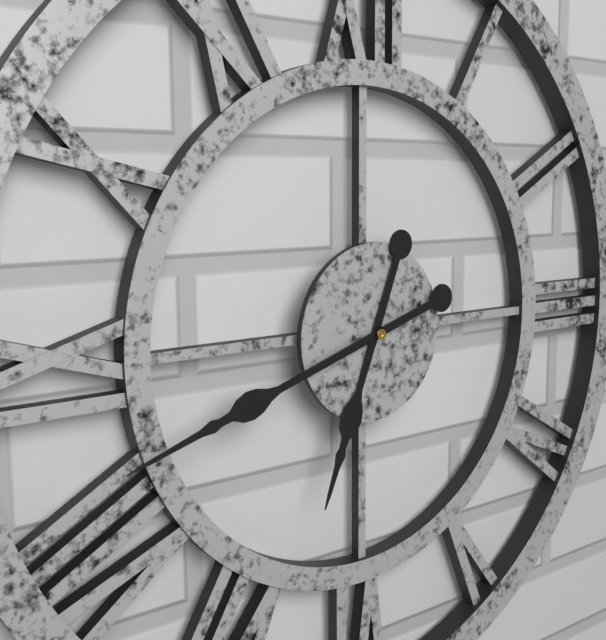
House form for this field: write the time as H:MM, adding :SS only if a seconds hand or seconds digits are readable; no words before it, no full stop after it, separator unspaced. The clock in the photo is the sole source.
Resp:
6:42
